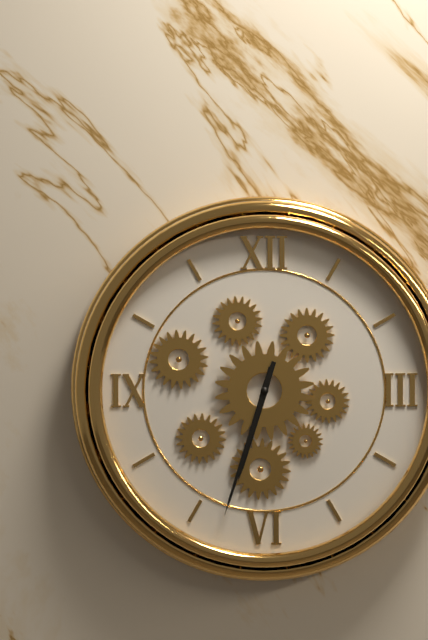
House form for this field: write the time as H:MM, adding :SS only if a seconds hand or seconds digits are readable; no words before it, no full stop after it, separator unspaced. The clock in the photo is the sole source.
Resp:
6:33
